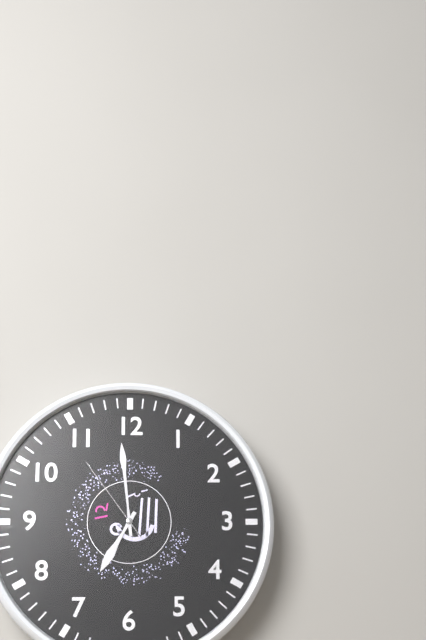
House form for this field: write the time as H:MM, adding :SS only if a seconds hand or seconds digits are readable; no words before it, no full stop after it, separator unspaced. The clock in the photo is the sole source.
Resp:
6:59:54
